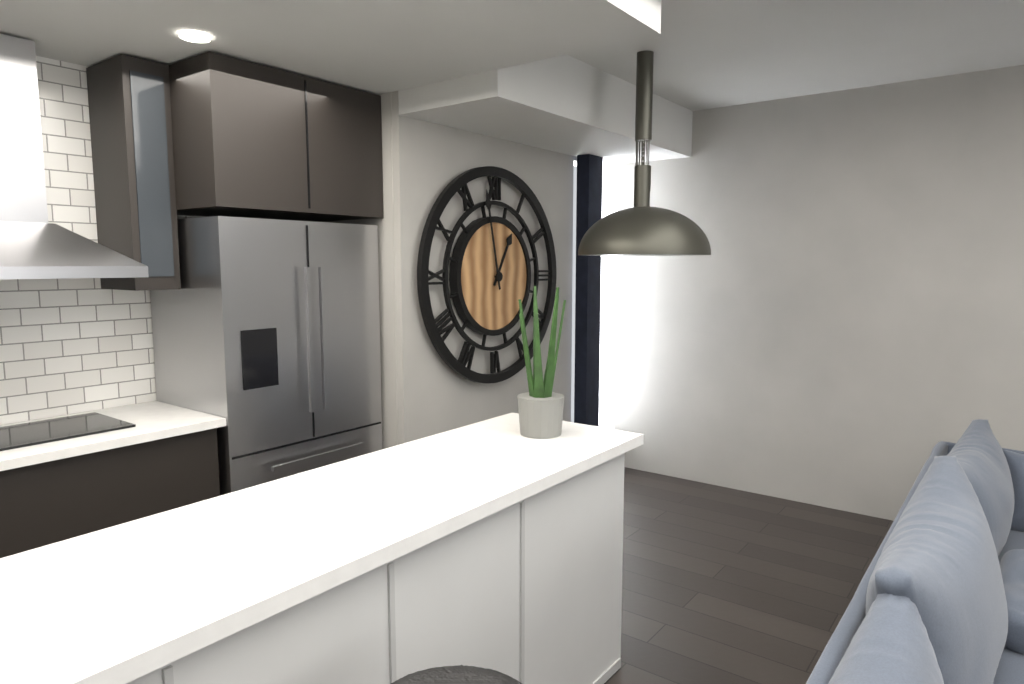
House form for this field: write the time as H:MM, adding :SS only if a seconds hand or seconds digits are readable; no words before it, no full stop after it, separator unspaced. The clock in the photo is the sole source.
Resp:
12:58
